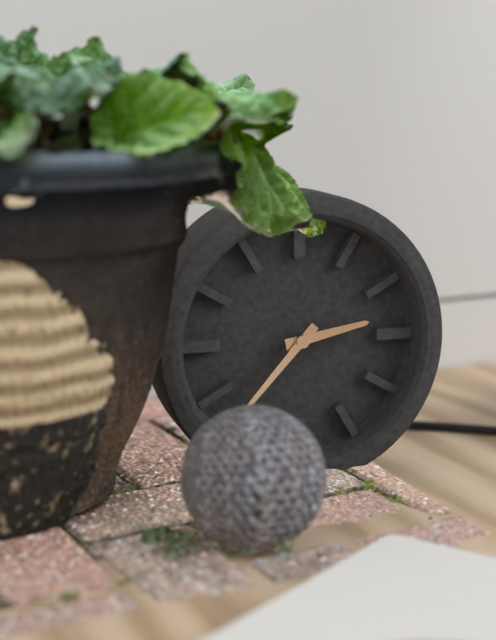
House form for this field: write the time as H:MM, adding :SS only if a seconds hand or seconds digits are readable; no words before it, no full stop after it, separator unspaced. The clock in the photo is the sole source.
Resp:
2:37
